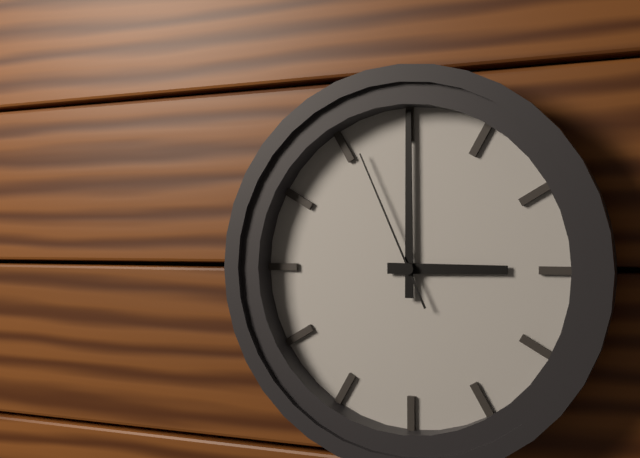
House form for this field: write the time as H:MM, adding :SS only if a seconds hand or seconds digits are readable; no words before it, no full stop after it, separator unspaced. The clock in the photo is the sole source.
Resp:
3:00:56
